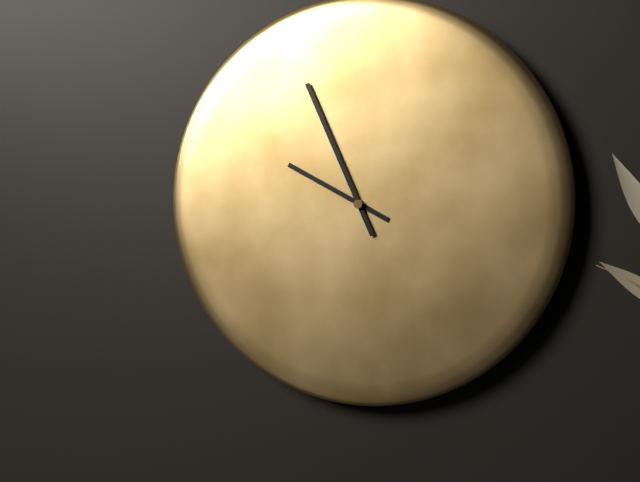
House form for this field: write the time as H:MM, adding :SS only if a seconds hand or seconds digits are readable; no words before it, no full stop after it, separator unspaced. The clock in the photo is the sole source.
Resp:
9:56
